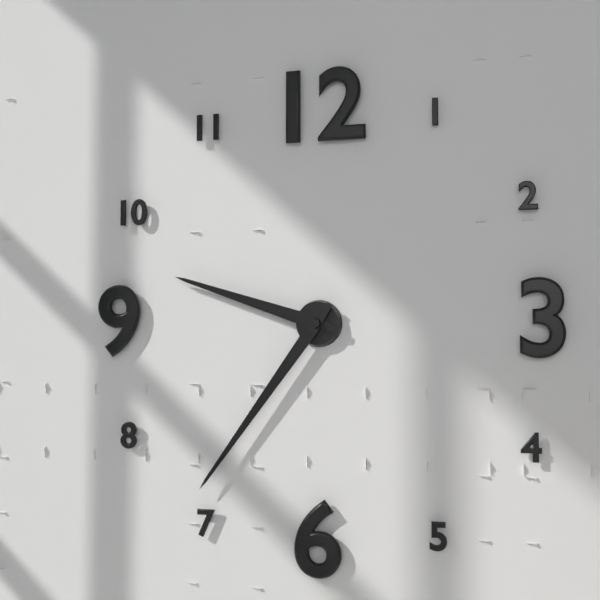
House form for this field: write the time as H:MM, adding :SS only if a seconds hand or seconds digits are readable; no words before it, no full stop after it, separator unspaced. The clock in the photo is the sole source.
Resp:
9:36
